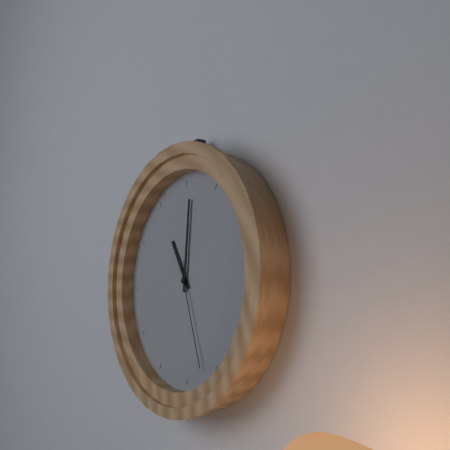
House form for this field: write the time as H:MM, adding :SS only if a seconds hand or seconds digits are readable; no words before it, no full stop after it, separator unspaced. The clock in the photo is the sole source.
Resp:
11:01:27
